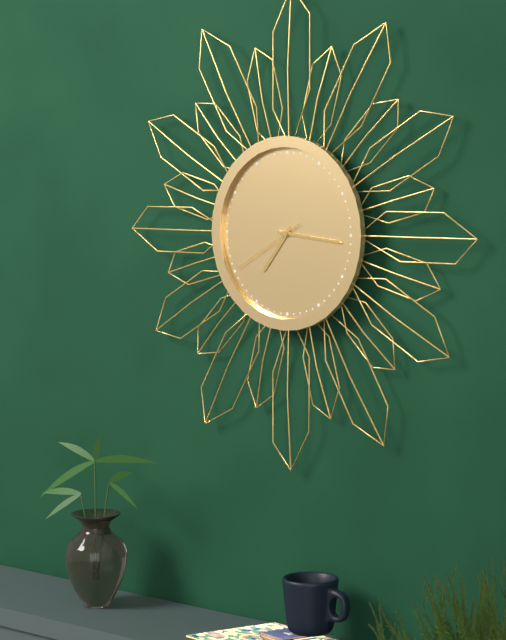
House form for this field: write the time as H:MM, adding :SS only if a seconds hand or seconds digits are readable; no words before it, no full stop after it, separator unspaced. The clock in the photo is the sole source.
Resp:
7:16:40
